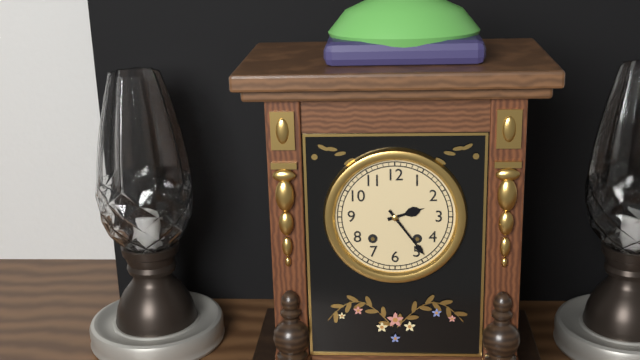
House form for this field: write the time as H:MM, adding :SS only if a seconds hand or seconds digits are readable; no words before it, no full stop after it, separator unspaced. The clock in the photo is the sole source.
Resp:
2:24
